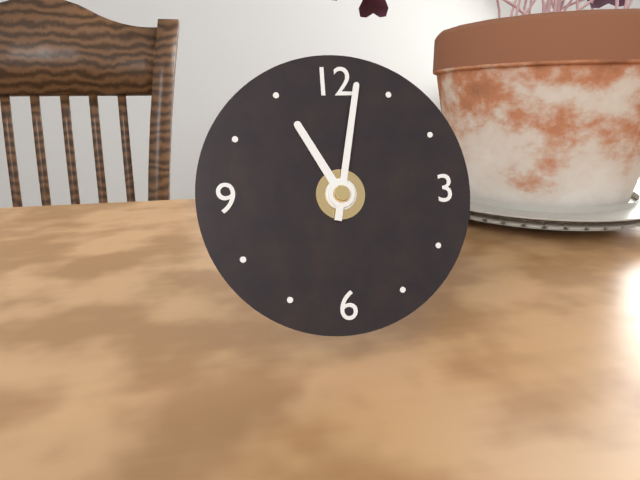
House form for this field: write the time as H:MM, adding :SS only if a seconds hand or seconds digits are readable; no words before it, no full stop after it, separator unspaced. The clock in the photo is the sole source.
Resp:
11:02
